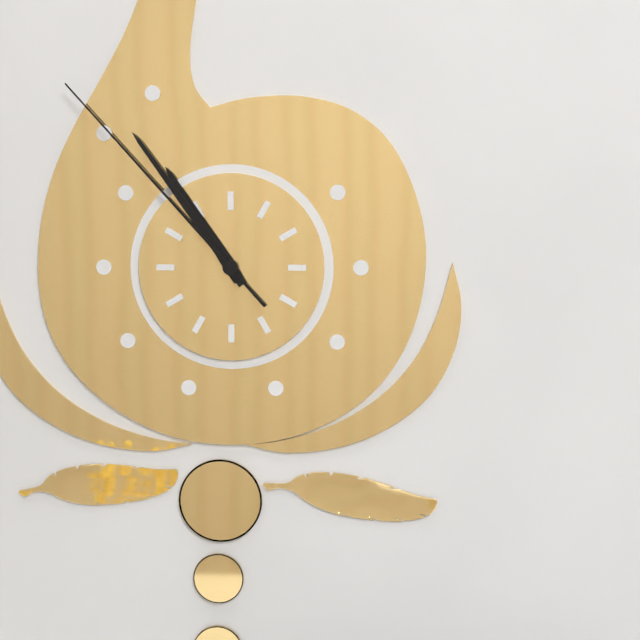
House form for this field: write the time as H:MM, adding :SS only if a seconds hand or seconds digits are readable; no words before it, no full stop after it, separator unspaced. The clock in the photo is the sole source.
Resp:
10:54:53
